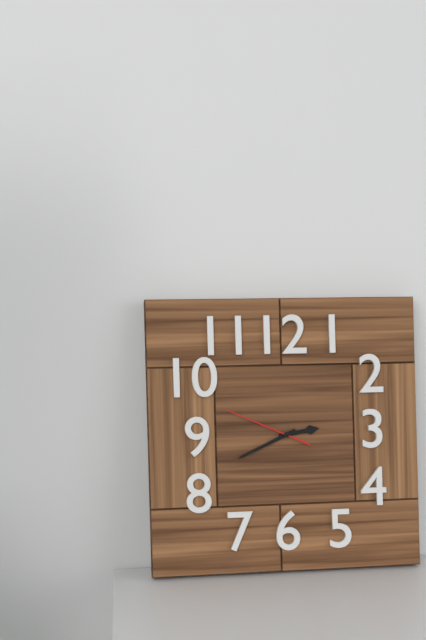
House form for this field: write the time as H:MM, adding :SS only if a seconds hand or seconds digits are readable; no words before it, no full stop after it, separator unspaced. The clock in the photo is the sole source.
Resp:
2:41:49
